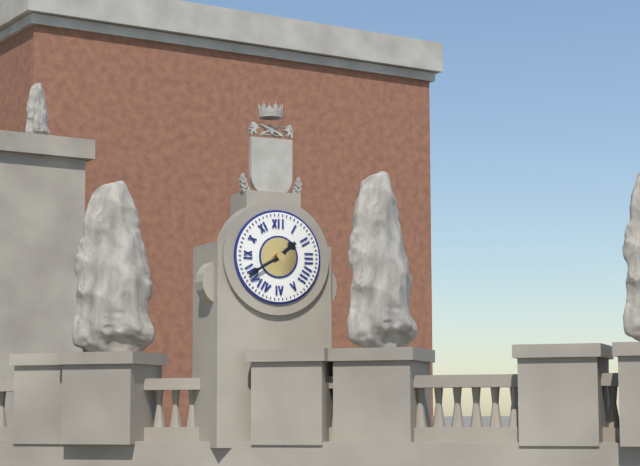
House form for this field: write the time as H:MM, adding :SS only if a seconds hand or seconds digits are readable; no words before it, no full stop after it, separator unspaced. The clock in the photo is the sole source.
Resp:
1:40
